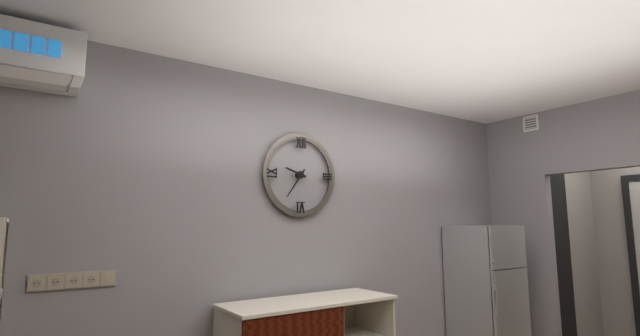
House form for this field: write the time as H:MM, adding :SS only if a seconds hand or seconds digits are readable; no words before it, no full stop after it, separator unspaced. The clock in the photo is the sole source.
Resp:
9:36
